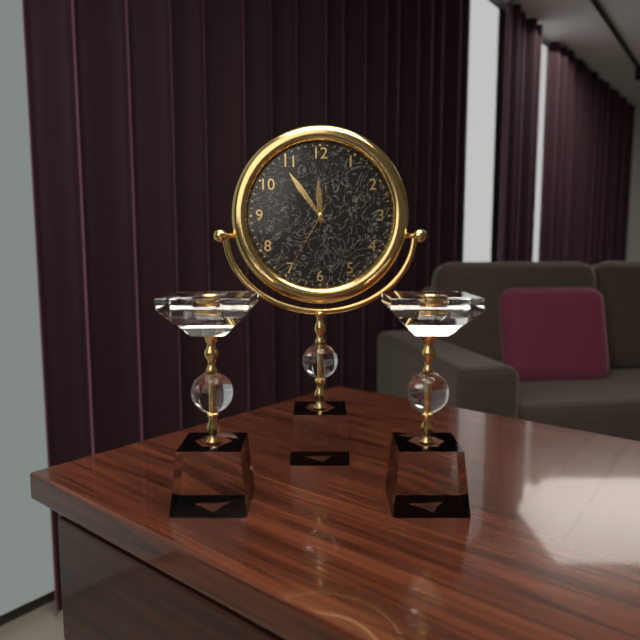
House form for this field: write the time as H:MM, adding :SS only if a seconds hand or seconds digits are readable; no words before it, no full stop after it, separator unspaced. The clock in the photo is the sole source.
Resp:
11:54:35
